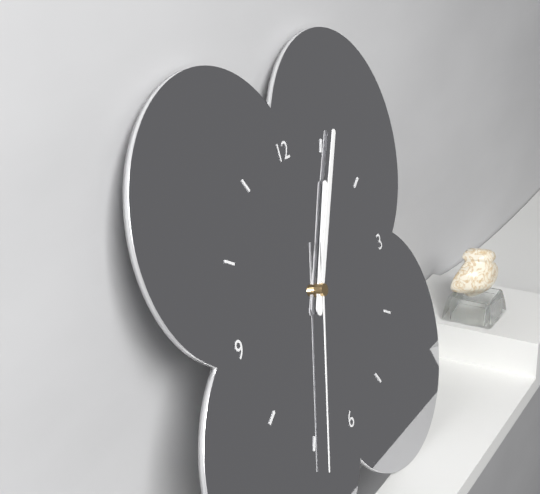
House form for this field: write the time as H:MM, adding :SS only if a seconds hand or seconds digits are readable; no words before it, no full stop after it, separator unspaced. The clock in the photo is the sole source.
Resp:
1:06:34
